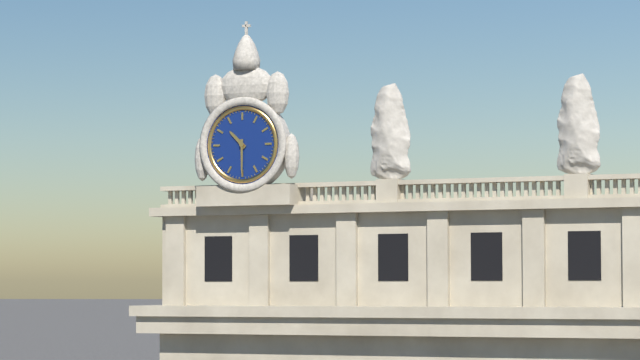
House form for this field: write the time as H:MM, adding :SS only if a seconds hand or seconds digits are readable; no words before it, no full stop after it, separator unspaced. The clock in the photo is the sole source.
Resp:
10:30
